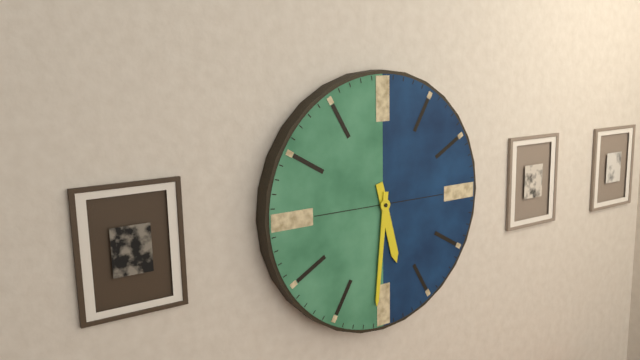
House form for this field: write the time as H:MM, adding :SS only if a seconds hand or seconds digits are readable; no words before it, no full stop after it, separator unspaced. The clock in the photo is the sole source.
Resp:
5:31
